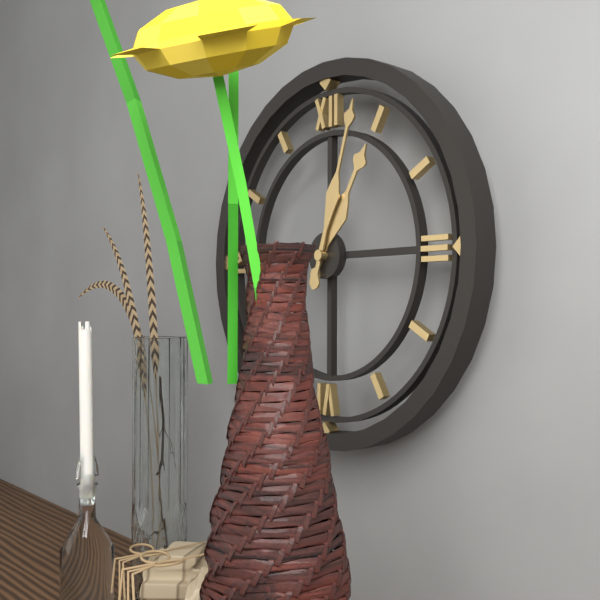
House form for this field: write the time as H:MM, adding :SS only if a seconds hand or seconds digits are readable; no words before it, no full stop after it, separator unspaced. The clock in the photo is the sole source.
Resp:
1:03
